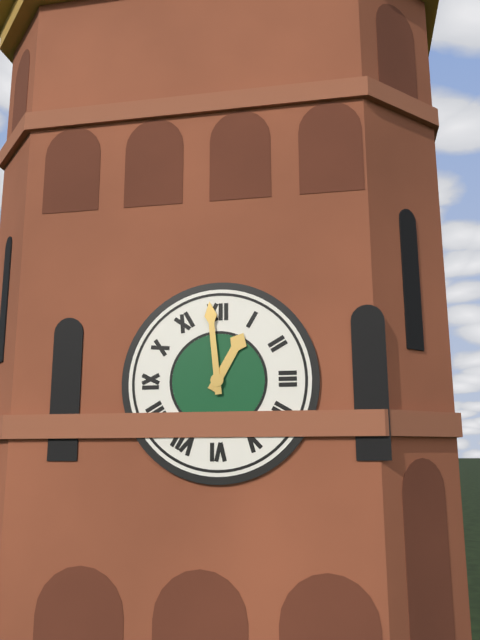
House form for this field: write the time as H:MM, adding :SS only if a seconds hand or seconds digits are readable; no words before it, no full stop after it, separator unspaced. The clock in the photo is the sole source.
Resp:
12:59
